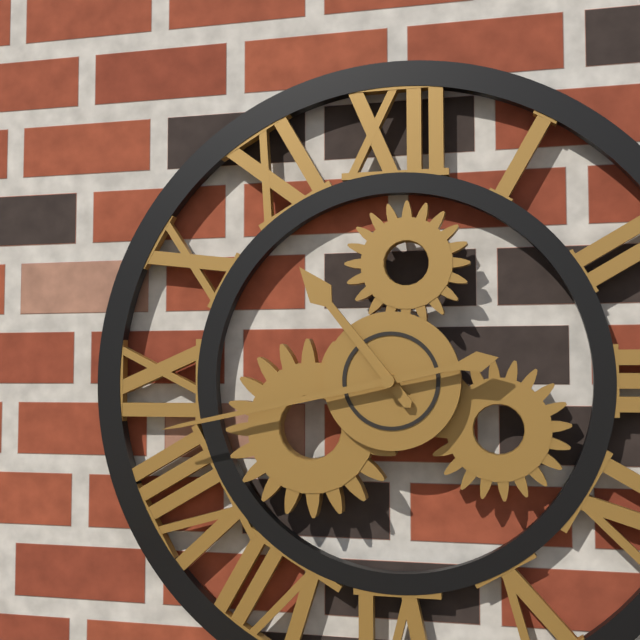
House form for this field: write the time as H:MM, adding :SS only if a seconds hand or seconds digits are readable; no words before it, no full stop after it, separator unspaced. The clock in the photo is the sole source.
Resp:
10:43
